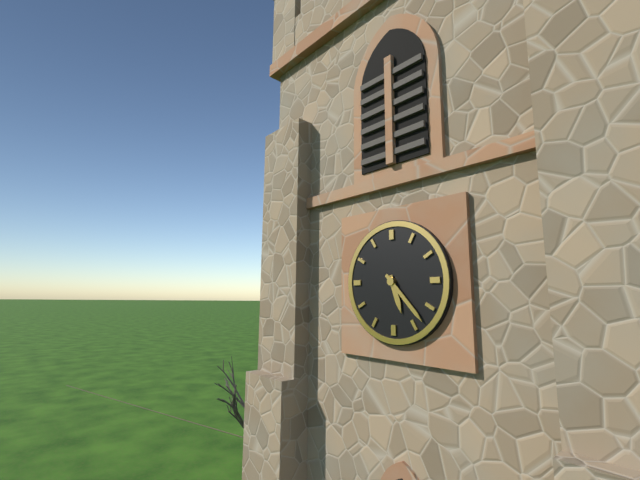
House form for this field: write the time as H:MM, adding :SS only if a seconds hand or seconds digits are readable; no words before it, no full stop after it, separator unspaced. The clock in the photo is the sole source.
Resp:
5:23
